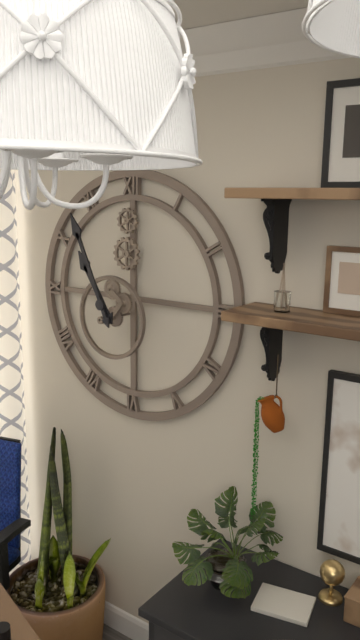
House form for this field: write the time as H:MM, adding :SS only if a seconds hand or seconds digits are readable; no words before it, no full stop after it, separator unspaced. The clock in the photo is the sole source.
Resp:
10:56
